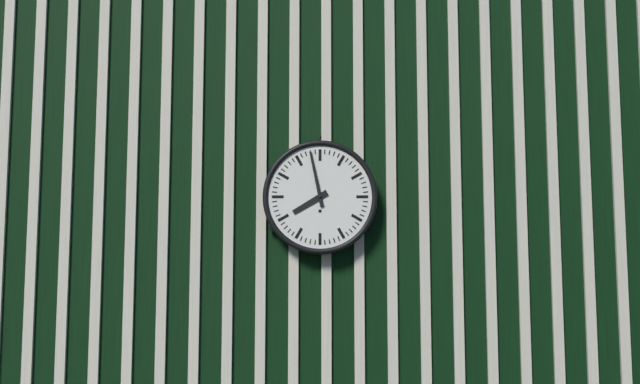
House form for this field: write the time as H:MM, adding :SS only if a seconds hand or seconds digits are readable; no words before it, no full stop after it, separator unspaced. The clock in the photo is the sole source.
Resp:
7:58
